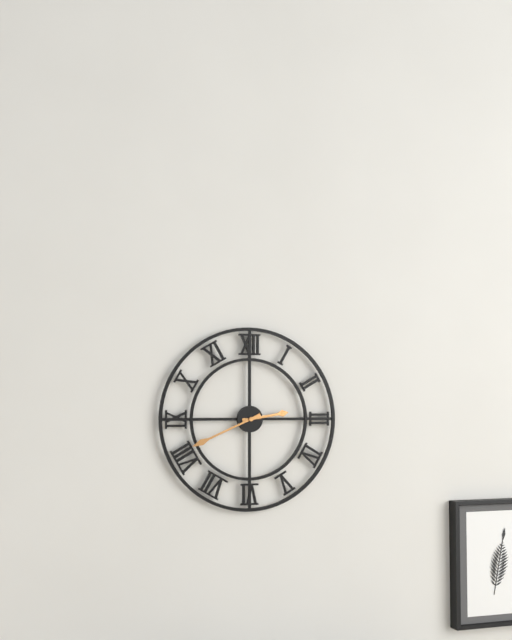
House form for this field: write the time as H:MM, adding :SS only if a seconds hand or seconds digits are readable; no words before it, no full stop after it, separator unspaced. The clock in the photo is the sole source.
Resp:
2:41
